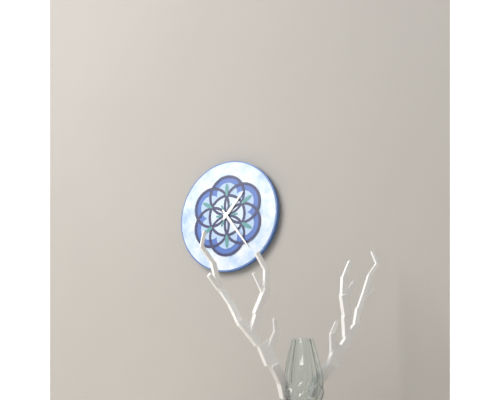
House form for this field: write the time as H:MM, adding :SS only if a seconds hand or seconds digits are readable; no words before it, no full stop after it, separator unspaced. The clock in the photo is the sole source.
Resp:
1:24
